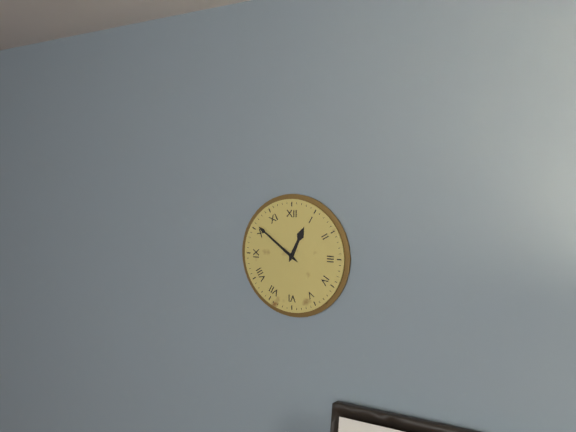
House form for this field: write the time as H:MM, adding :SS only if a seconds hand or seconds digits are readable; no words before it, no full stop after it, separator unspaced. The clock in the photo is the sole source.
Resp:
12:51
